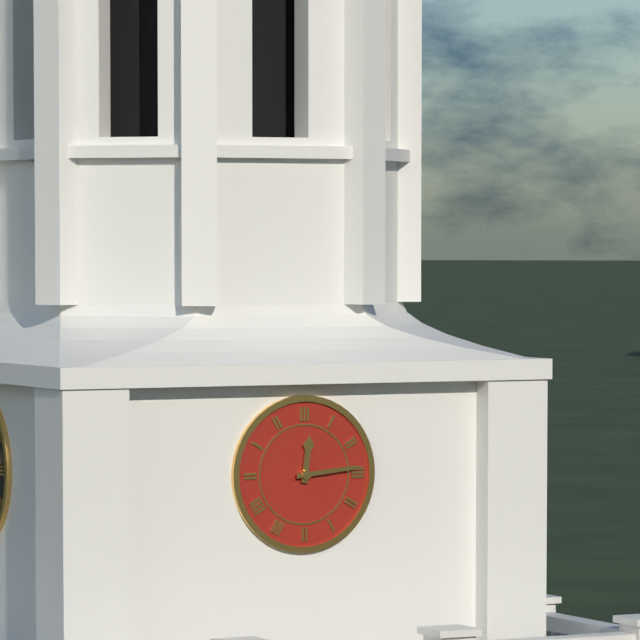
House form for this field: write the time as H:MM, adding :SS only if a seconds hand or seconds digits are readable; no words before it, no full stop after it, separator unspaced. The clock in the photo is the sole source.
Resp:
12:14
